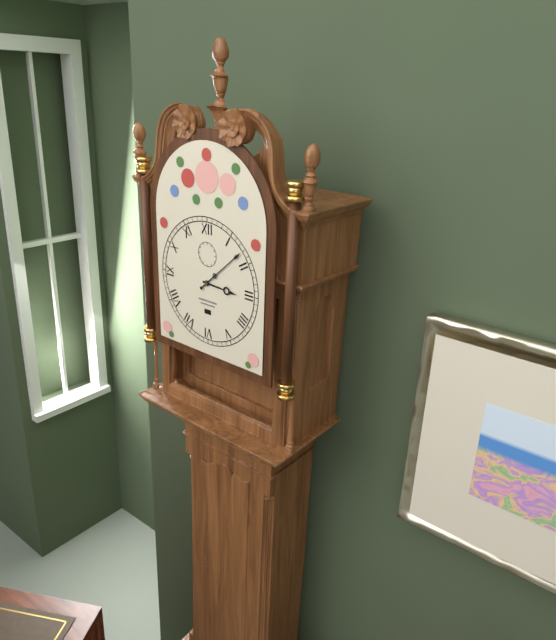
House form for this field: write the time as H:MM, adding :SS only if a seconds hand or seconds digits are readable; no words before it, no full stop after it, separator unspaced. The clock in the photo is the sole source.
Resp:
3:08
